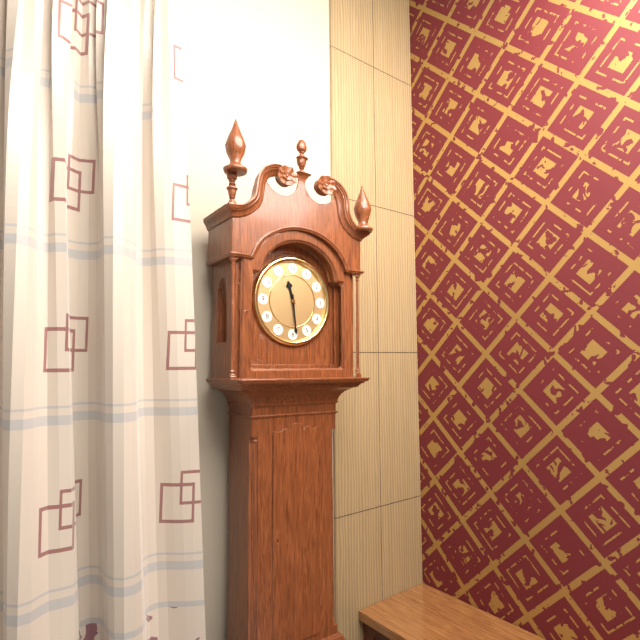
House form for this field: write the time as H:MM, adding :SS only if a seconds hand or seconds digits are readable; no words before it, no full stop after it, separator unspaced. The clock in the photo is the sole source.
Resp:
11:29
